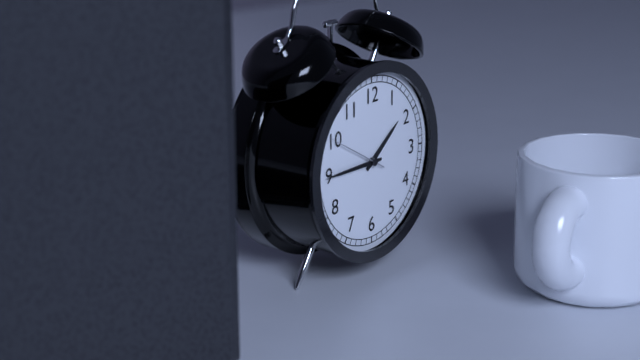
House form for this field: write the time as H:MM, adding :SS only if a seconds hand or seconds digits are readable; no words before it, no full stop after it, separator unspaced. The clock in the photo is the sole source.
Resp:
1:45:50
